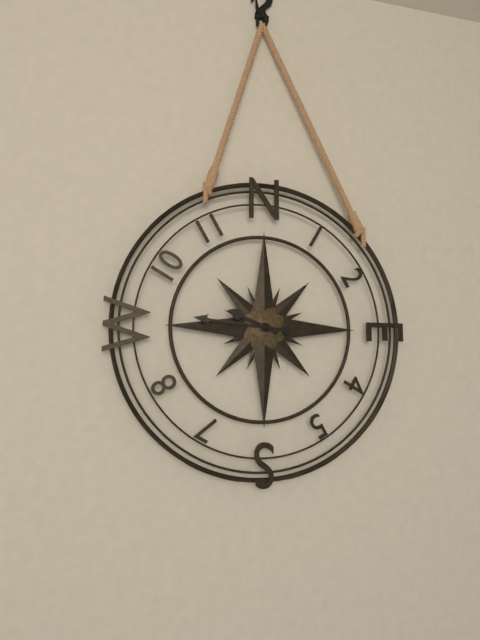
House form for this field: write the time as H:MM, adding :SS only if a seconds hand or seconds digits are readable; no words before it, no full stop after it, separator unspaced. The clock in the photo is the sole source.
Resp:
9:46
